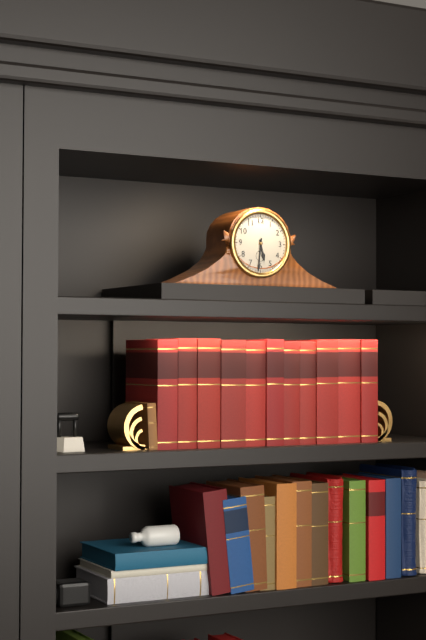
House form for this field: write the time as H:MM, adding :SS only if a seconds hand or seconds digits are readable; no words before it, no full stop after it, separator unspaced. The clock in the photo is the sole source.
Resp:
5:31
